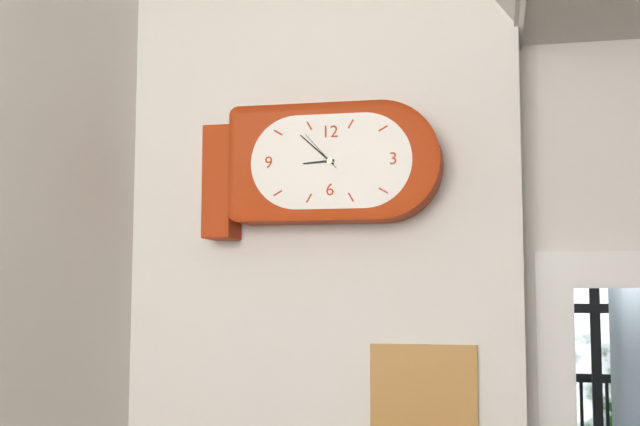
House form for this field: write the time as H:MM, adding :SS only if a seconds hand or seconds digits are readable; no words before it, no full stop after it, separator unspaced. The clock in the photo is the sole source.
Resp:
8:52
